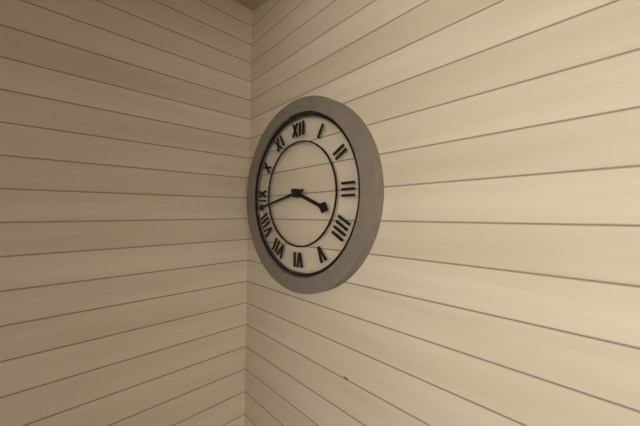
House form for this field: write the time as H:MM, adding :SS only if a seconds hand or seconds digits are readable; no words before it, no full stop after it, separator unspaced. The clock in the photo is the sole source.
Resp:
3:43
